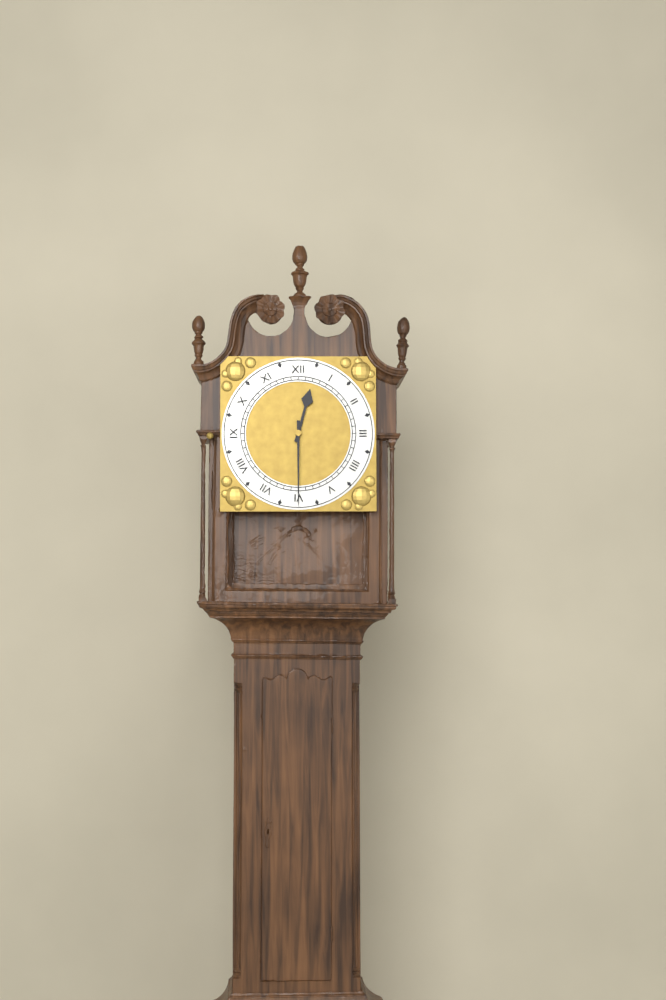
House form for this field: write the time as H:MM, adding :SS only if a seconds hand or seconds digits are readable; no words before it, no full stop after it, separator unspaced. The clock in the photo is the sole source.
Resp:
12:30
